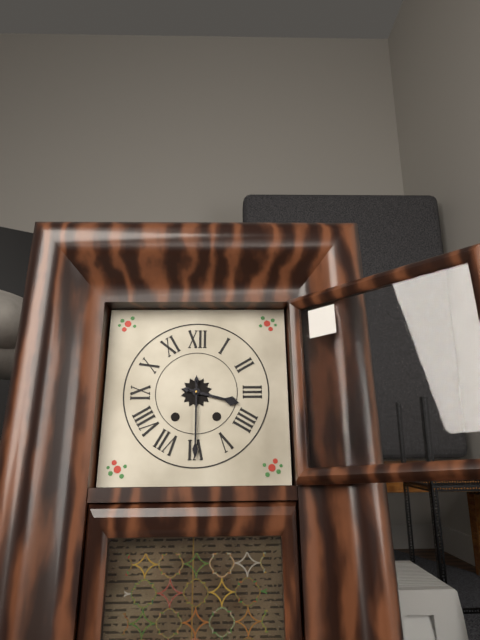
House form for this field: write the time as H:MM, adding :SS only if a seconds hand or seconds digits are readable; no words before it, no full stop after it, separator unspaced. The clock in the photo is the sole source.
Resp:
3:30
